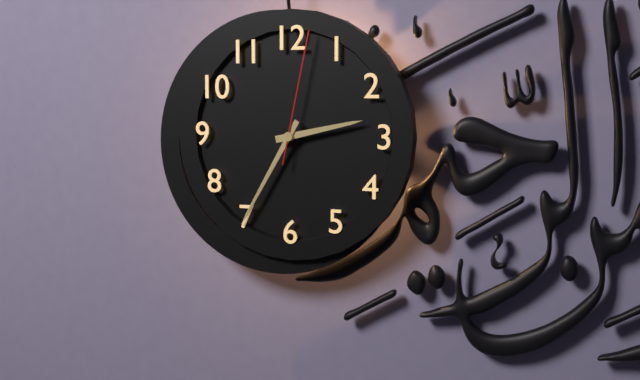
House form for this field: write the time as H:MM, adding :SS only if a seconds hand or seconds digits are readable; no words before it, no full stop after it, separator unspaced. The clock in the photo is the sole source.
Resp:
2:35:02
